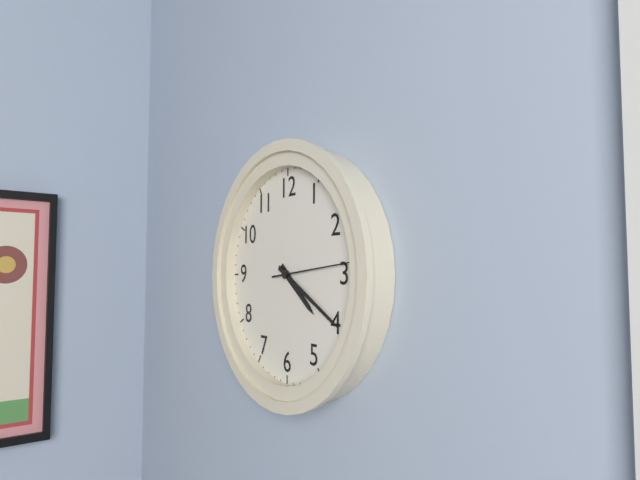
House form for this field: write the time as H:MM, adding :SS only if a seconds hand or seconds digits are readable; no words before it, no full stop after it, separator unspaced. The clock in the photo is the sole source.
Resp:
4:20:14
